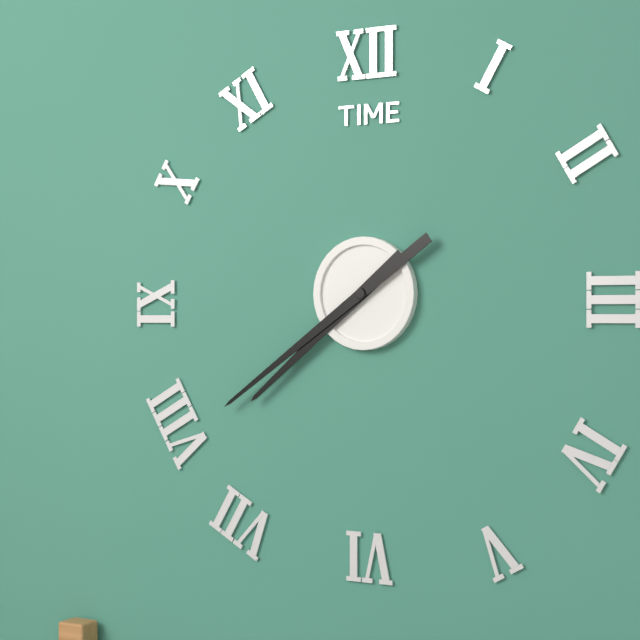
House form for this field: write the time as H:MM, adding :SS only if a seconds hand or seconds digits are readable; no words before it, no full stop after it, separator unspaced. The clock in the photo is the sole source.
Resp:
7:39
